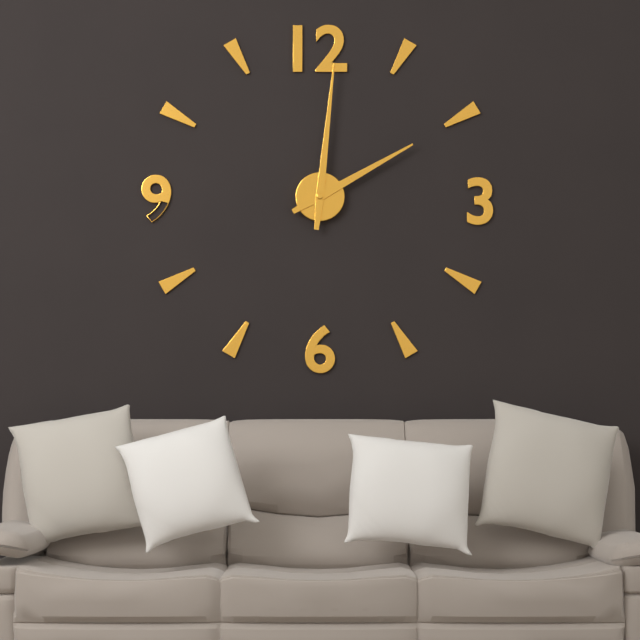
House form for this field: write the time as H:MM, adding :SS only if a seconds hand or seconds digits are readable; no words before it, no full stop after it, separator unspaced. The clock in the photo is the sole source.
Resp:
2:01
